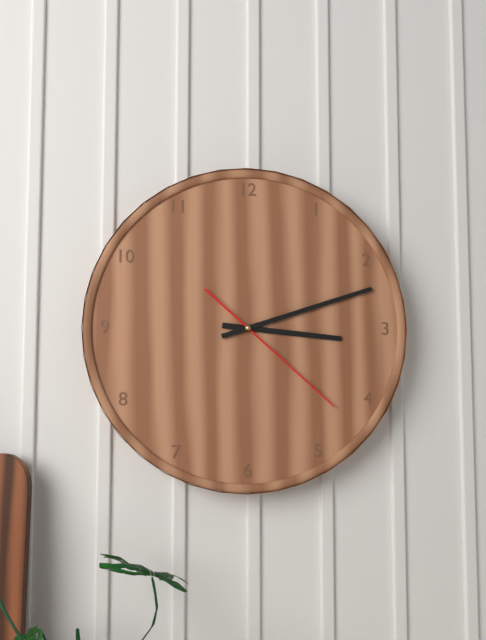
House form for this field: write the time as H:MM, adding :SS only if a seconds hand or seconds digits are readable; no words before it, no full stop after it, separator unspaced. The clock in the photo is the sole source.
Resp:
3:12:22
